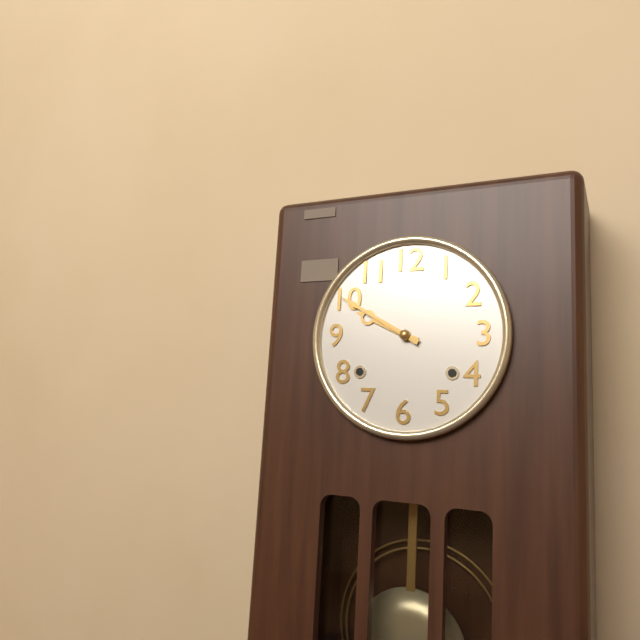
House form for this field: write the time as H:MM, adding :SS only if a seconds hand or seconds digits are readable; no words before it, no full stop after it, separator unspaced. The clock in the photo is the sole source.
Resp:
9:50
